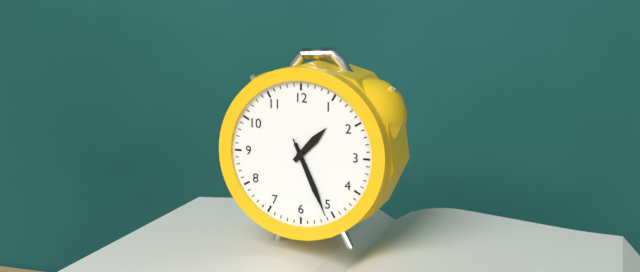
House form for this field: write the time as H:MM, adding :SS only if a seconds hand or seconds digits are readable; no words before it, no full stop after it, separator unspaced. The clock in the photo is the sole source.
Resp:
1:26:26
